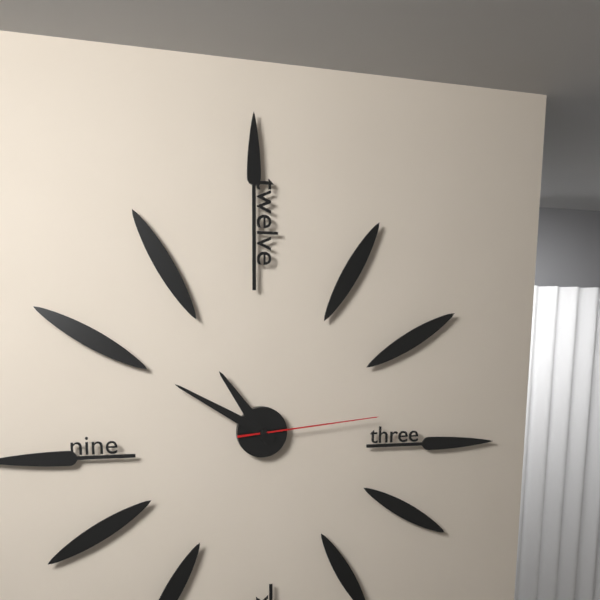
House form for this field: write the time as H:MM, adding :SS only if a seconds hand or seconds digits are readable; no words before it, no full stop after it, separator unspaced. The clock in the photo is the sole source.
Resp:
10:50:14
